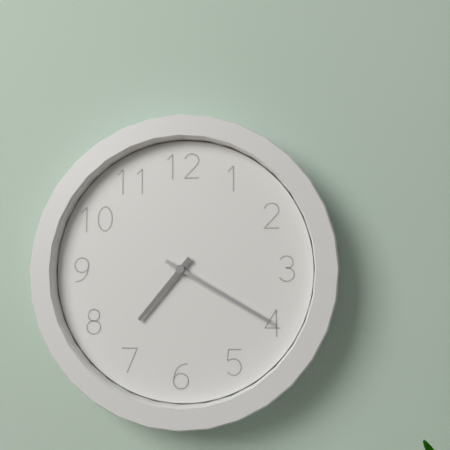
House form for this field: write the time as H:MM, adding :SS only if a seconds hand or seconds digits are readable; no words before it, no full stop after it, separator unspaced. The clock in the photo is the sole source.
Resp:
7:20
